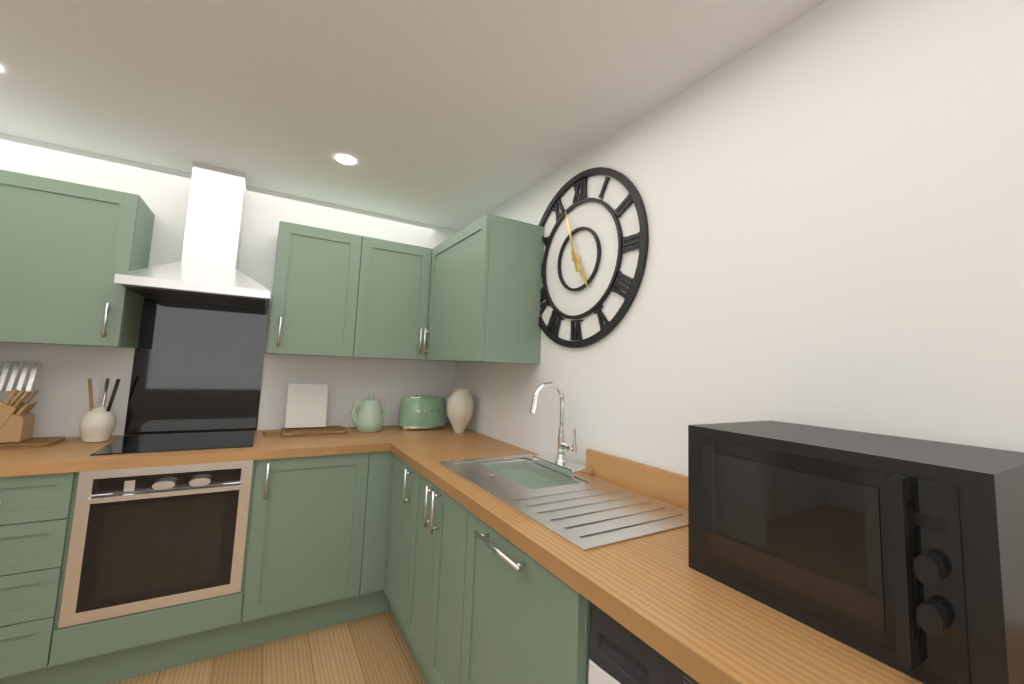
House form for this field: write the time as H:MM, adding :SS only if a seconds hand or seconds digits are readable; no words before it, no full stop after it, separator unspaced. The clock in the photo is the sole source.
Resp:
4:57
